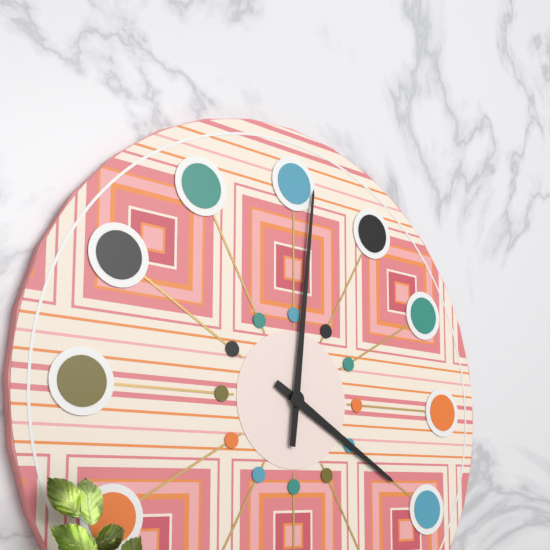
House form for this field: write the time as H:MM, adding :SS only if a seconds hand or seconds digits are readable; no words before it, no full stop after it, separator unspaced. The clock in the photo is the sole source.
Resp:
4:01
